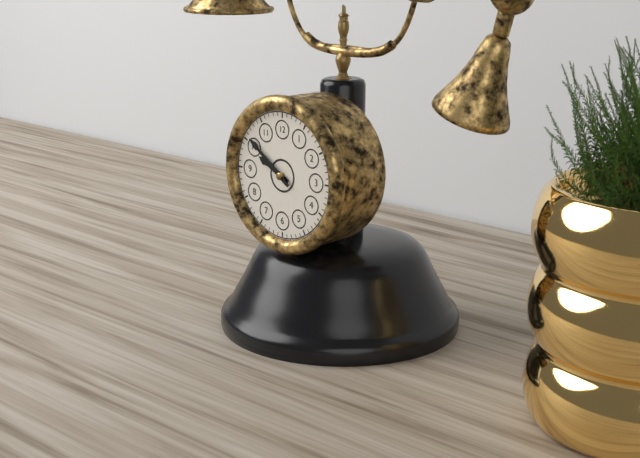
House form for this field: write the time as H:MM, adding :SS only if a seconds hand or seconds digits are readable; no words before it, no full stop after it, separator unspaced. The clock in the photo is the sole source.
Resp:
9:51
